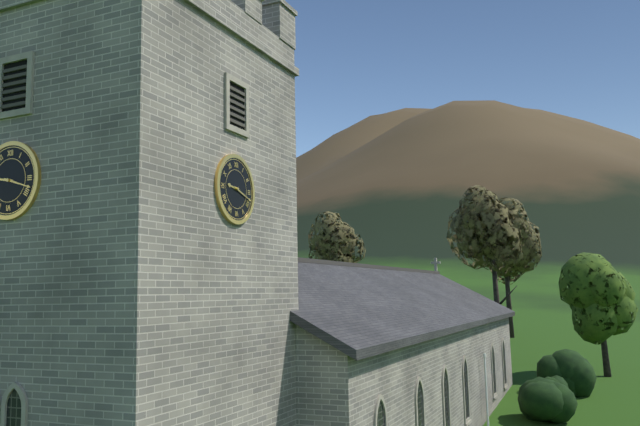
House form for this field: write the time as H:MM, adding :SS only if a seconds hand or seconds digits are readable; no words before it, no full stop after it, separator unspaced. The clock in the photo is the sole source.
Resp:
9:18
